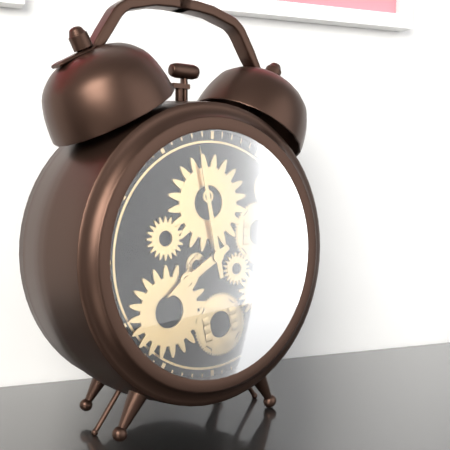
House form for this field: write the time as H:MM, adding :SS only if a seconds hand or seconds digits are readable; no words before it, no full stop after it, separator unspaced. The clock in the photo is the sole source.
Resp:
7:58
